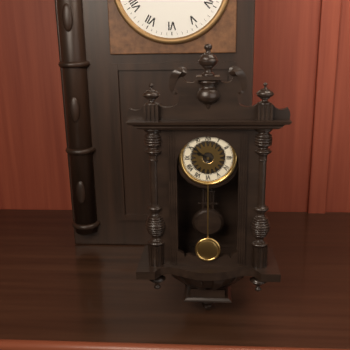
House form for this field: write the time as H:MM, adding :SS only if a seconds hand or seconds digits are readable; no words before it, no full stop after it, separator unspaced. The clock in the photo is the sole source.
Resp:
9:51
